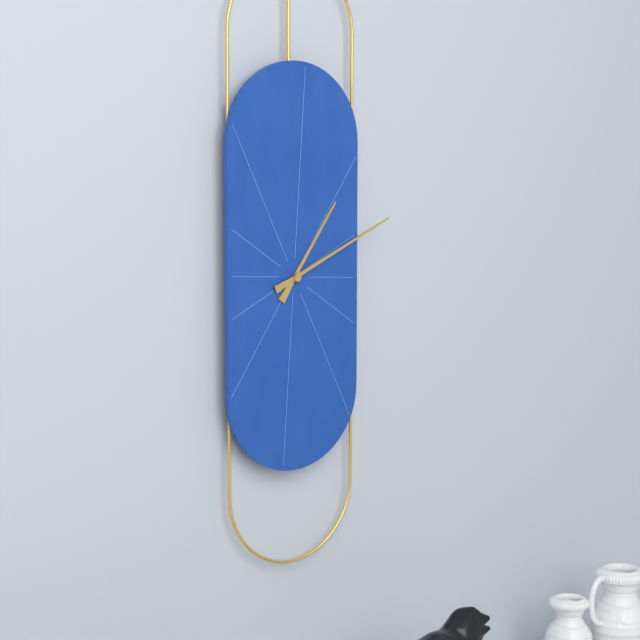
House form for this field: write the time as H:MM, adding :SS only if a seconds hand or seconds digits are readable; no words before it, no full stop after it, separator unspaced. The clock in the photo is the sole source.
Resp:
1:11
